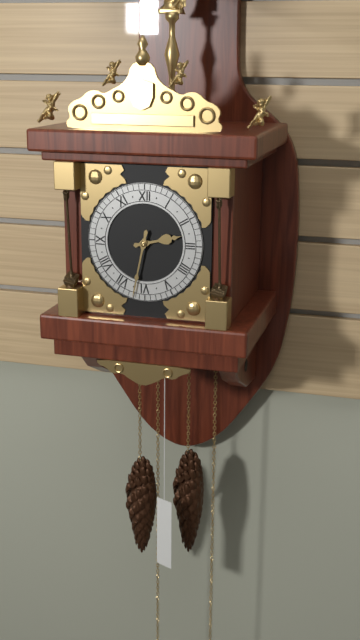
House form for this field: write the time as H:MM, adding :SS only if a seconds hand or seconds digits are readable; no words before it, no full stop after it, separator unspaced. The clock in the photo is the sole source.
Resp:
2:32
